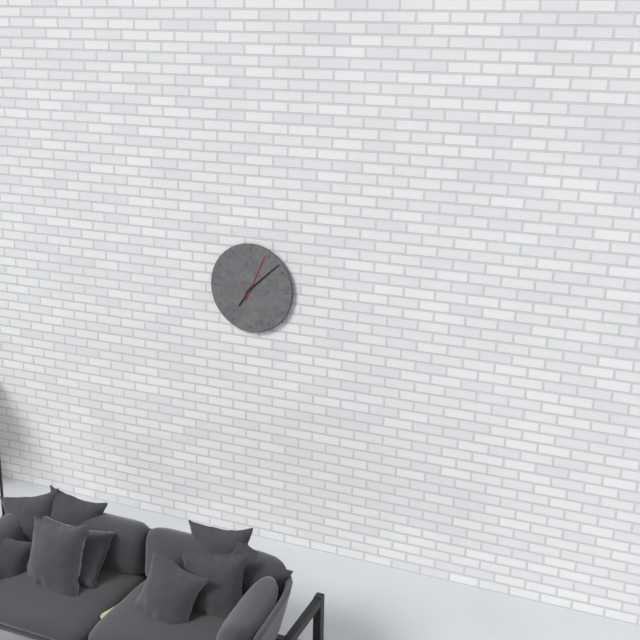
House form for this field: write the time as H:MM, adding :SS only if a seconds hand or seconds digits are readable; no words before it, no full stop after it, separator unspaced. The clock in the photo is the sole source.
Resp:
7:08
